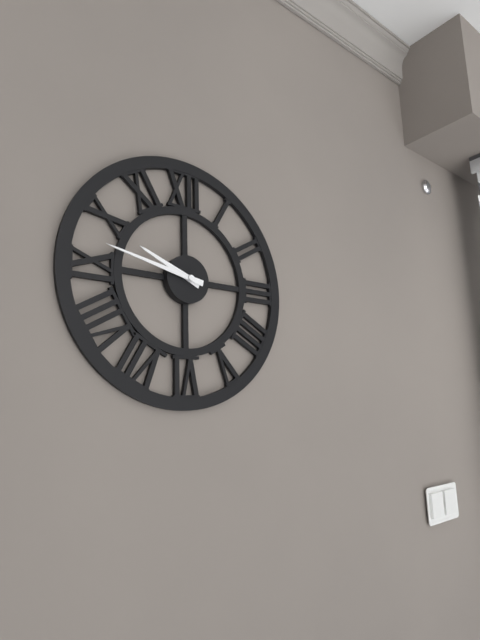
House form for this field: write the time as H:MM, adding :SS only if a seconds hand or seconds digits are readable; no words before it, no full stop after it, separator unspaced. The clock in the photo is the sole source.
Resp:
9:47
